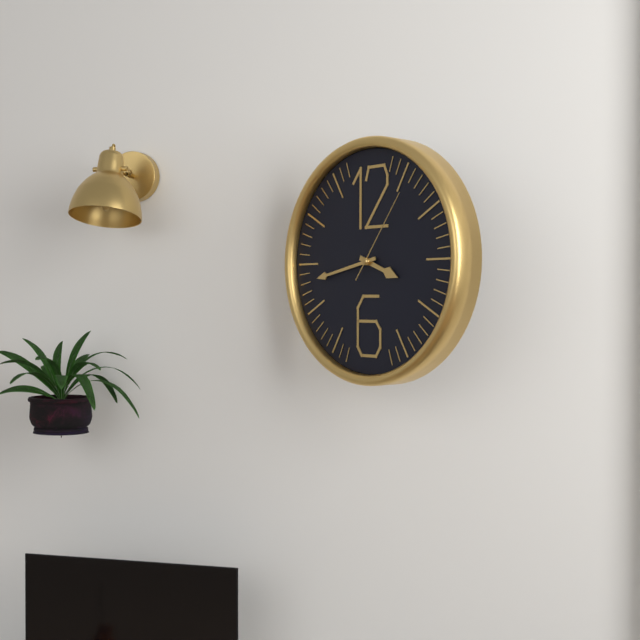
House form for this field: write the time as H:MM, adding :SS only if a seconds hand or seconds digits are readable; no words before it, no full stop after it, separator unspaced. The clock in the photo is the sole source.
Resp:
3:43:06
